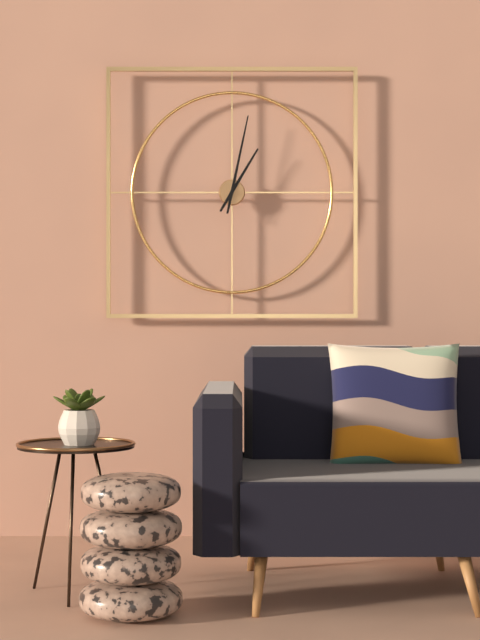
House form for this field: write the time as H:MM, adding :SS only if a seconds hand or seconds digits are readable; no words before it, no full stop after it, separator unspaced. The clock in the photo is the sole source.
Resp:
1:02
